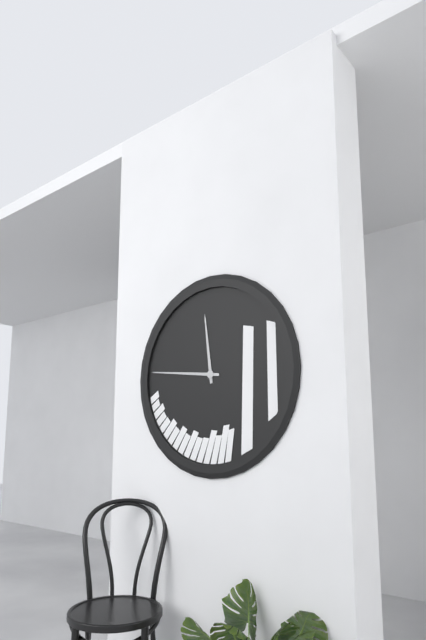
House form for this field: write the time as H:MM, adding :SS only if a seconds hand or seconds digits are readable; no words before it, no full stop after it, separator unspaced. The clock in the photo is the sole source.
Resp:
11:46
